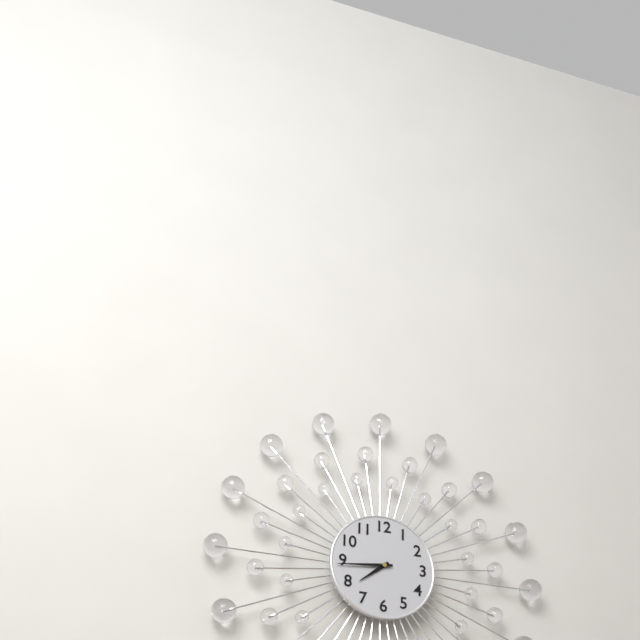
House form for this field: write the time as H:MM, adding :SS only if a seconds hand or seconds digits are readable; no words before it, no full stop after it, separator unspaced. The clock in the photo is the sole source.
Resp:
7:44
